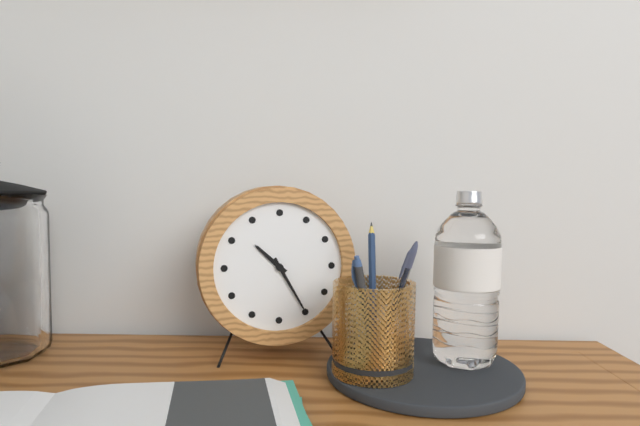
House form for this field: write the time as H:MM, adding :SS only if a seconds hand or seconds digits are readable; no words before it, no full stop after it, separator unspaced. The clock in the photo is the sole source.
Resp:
10:25
